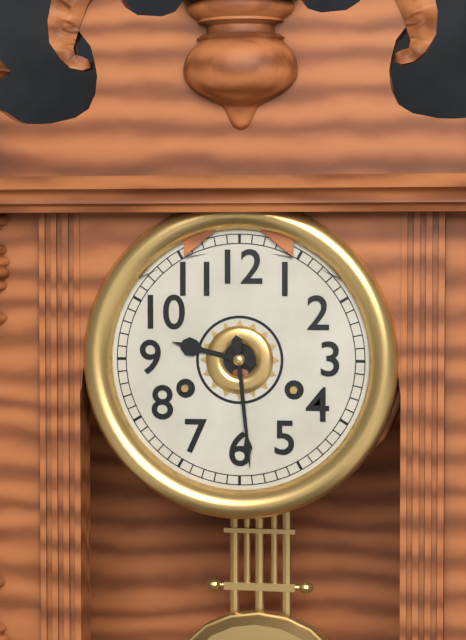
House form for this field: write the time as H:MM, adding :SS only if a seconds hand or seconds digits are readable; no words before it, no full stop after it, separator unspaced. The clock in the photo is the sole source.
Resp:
9:29
